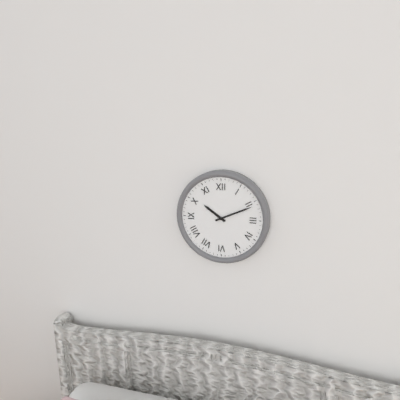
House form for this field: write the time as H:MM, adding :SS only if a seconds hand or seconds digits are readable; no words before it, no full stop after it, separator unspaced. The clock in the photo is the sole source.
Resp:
10:11
